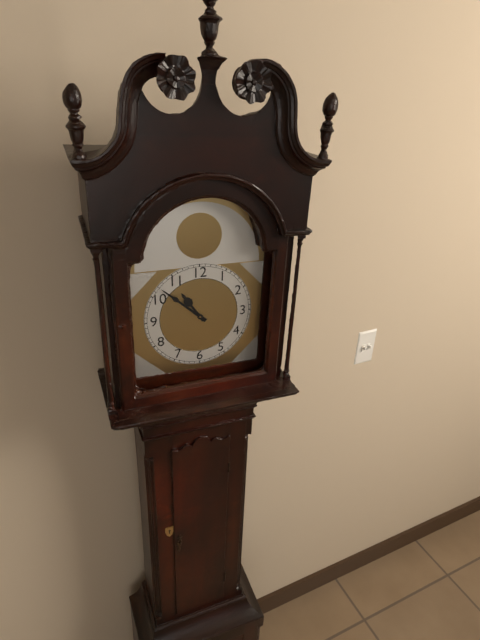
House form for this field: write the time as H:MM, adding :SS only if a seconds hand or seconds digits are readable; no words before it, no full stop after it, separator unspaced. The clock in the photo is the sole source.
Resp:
10:52
